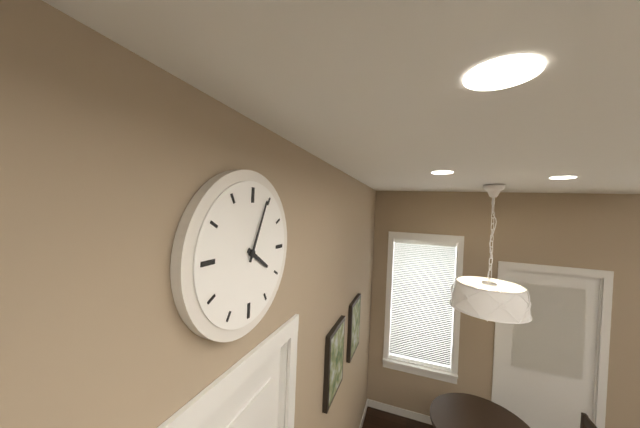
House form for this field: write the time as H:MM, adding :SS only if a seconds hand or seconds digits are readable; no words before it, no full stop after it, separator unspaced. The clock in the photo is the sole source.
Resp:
4:04
